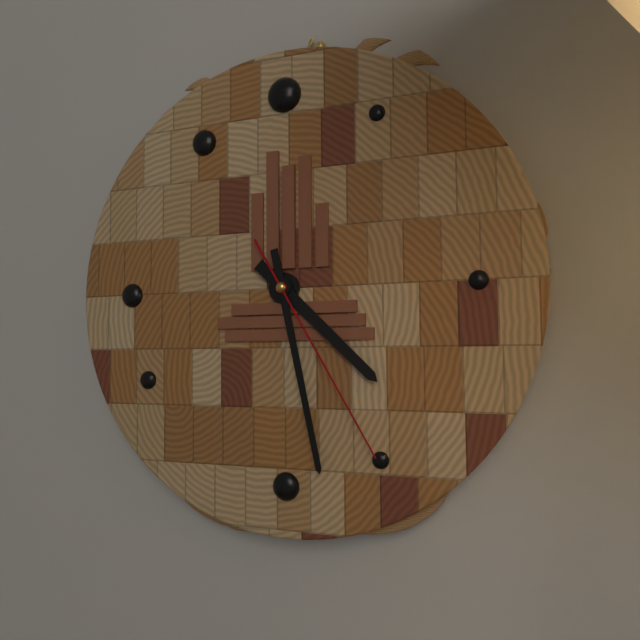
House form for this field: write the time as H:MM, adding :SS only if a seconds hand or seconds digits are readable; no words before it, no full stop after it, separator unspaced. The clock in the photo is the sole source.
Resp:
4:28:25
